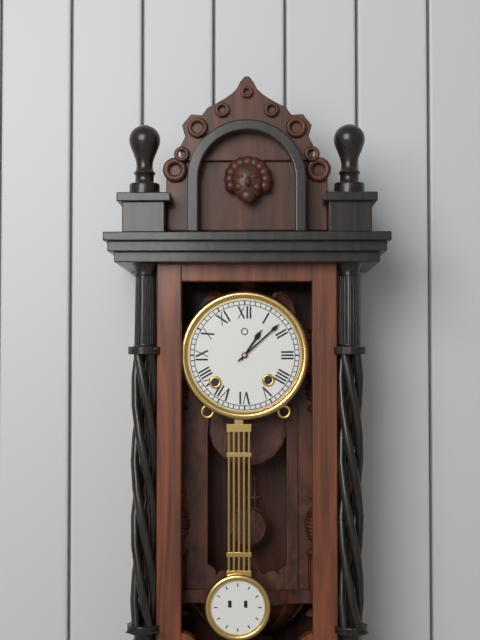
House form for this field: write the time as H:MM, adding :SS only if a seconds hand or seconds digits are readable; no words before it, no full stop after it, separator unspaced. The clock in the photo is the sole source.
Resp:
1:08
